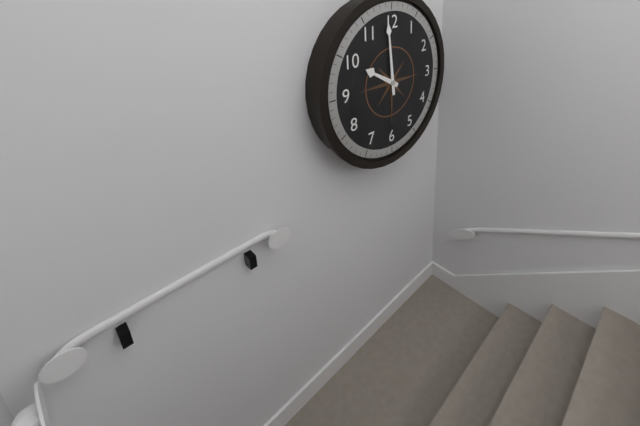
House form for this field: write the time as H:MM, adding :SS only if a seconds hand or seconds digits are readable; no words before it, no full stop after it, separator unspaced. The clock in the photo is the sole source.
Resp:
9:59
